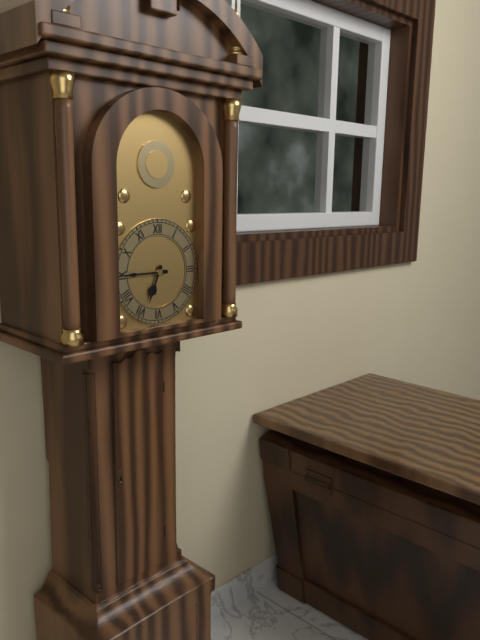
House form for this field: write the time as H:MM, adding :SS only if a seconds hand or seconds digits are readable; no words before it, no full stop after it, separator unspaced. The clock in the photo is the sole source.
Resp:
6:45
